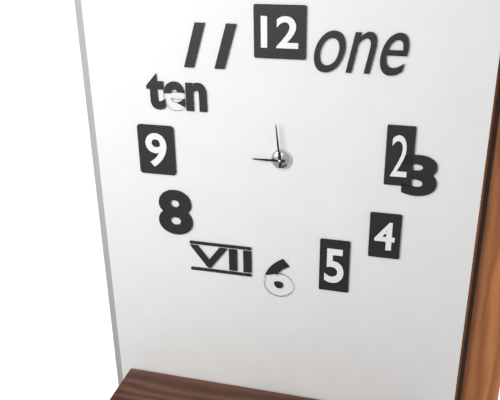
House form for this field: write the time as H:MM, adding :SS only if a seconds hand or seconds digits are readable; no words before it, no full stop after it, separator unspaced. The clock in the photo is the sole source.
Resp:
8:59
